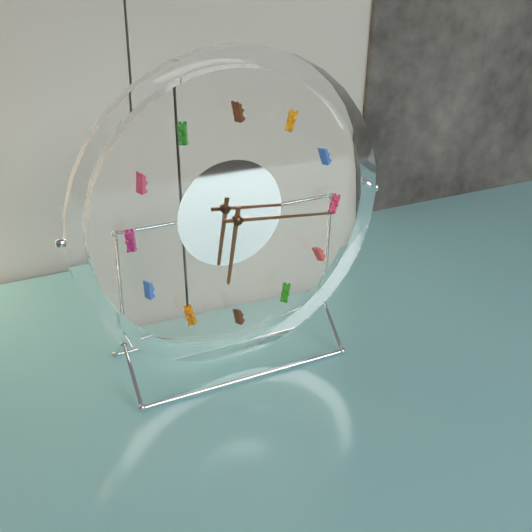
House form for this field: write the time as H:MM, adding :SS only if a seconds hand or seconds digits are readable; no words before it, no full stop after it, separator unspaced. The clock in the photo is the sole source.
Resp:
6:16
